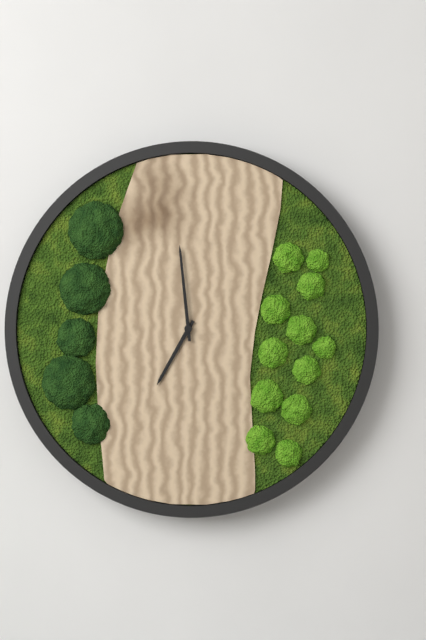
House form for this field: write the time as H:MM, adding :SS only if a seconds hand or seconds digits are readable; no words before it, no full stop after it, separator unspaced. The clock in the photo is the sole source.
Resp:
6:59
